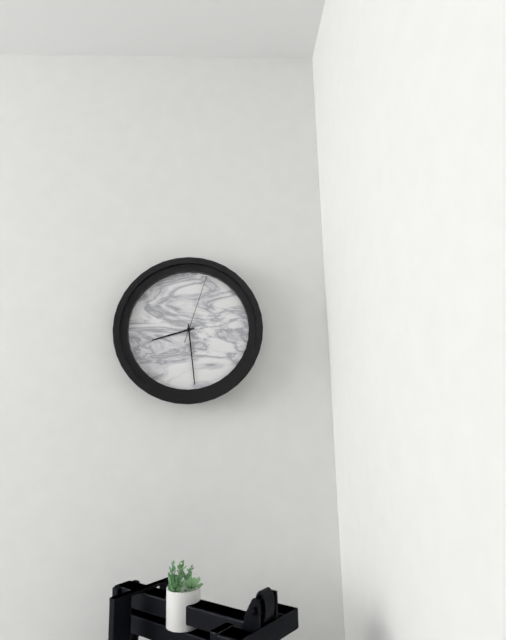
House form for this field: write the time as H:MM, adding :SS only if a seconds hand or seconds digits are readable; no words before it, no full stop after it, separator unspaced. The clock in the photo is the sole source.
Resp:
8:29:03
